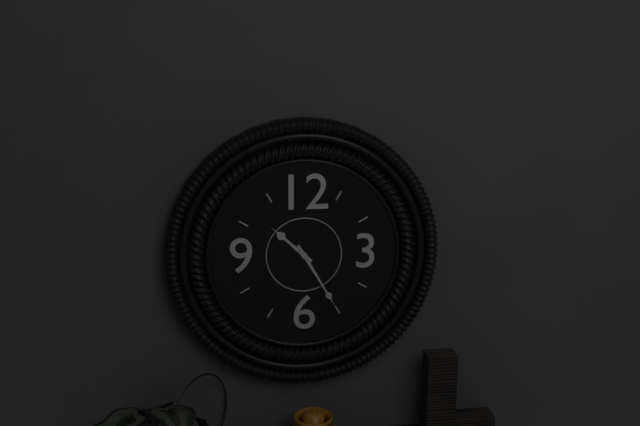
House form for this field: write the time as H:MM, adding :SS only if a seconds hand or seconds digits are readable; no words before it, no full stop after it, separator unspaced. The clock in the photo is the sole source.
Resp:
10:25
